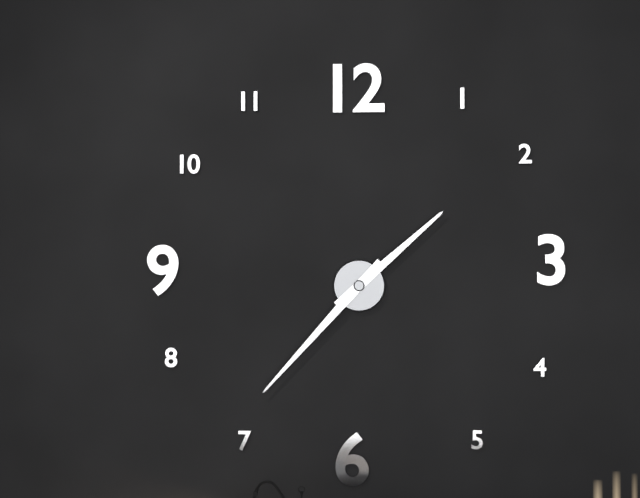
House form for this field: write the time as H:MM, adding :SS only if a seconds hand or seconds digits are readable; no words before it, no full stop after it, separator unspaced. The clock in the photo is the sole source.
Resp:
1:37
